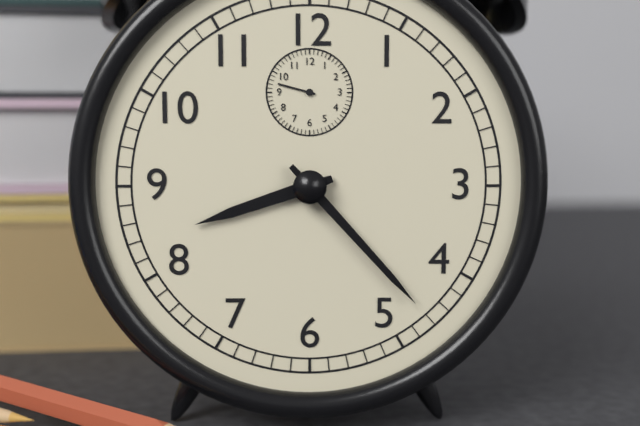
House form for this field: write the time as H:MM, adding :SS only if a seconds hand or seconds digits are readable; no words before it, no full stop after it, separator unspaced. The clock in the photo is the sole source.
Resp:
8:23
